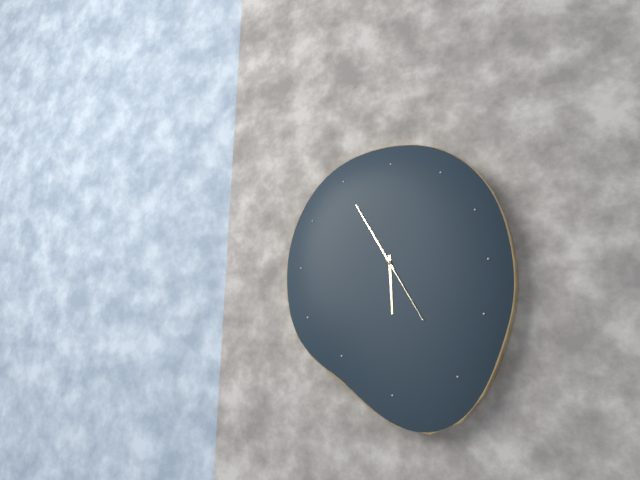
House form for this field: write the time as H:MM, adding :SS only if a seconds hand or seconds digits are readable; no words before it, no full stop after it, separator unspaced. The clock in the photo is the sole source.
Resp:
5:55:25
